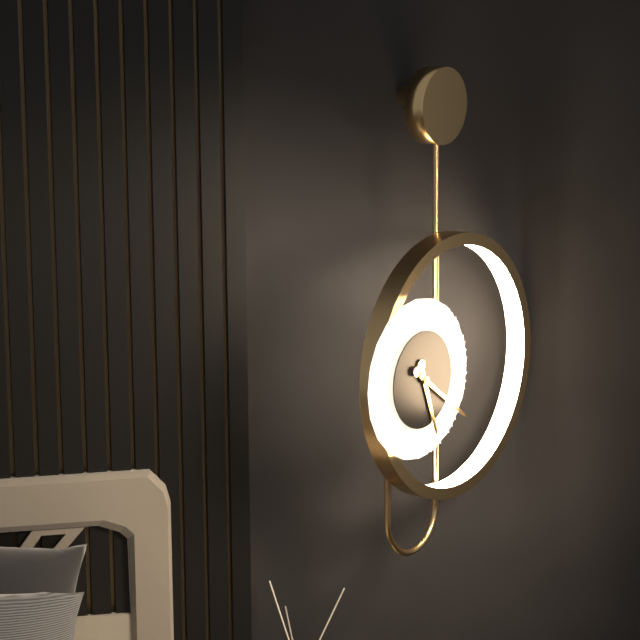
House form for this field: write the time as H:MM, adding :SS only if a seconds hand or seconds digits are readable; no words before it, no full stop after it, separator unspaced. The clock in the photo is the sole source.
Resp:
5:21
